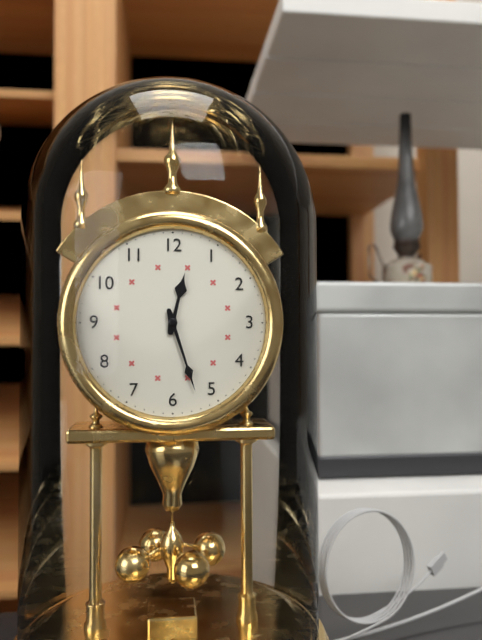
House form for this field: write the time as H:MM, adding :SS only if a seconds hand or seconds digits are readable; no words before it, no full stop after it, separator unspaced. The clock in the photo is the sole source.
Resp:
12:27
